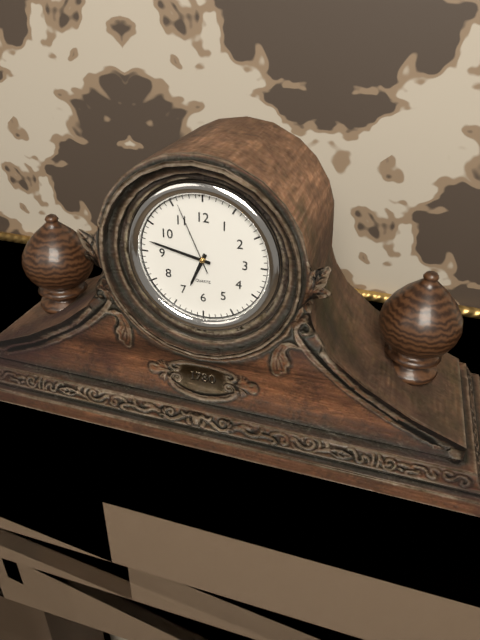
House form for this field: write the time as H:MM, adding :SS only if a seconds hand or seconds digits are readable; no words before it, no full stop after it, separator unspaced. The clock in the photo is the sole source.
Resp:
6:47:56
